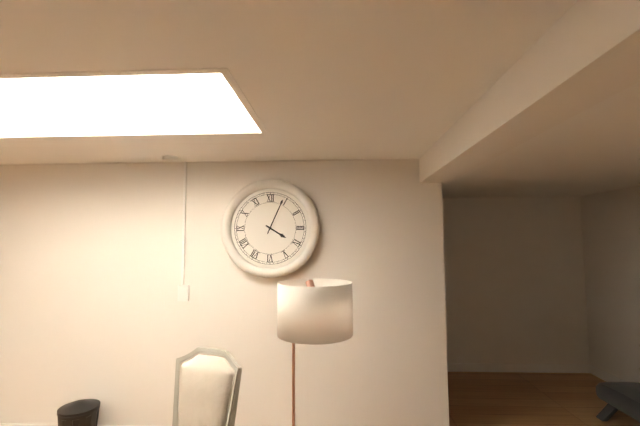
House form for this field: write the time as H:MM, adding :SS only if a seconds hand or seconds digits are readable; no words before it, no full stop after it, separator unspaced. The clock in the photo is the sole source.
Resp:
4:04
